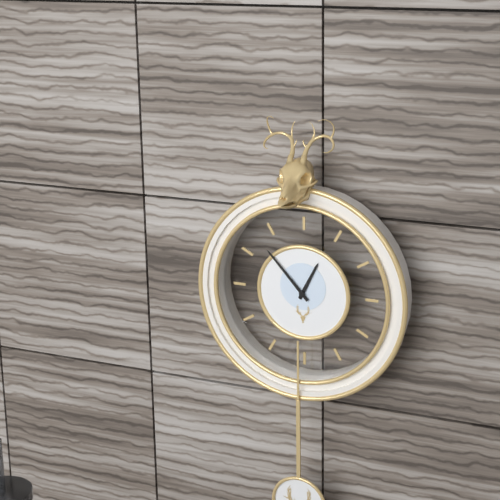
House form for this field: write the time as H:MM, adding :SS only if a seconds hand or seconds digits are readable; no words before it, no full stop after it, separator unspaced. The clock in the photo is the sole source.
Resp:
12:53
